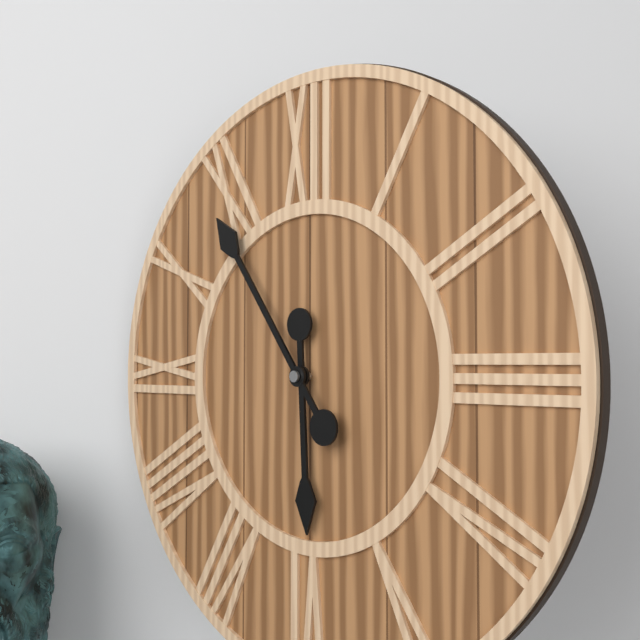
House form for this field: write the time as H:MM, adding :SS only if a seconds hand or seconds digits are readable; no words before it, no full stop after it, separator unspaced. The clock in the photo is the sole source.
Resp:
5:54
